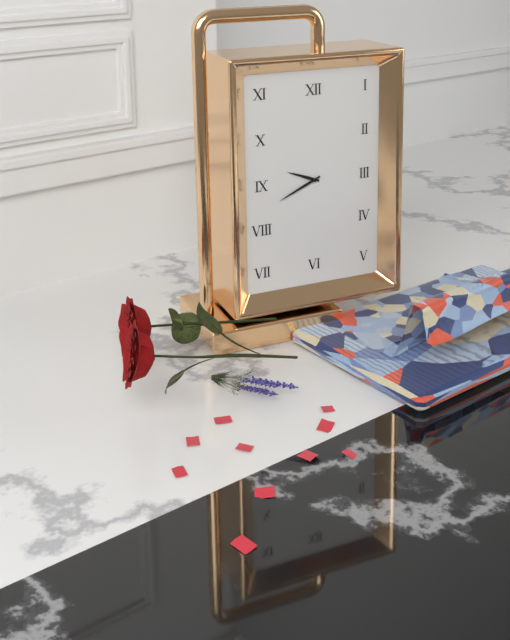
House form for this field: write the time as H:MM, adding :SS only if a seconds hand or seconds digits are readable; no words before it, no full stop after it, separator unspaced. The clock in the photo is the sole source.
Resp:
9:41
